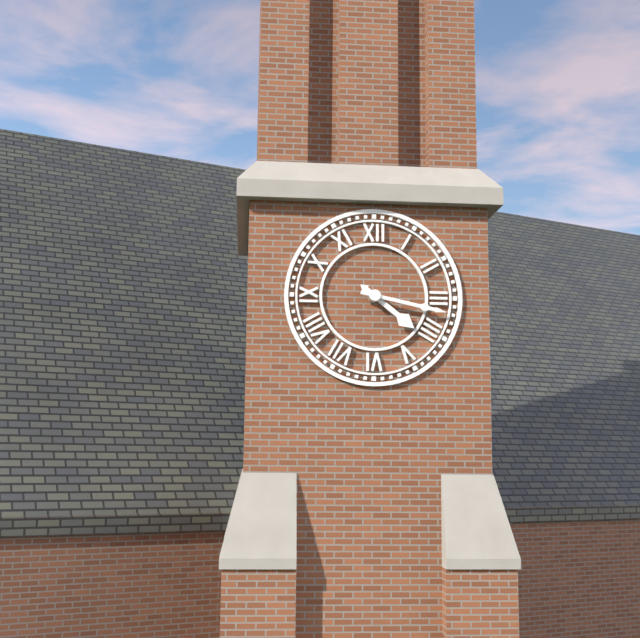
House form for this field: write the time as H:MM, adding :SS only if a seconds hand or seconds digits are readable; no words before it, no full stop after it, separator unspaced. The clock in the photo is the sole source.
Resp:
4:17
